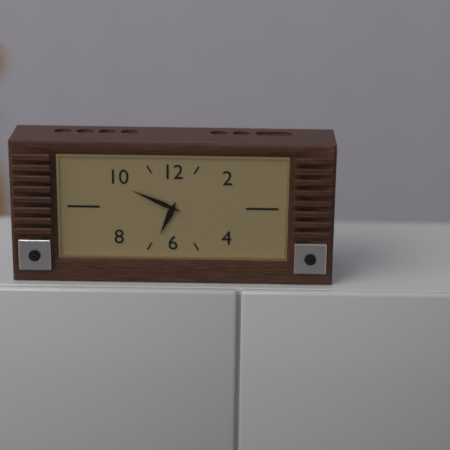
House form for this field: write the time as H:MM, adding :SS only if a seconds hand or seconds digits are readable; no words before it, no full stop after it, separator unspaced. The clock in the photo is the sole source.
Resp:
6:49
